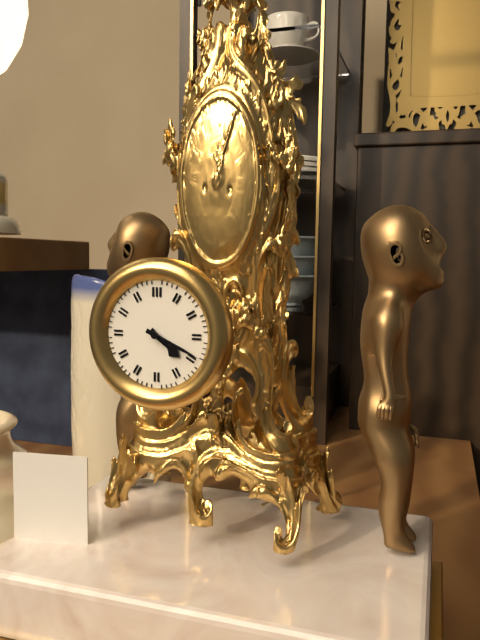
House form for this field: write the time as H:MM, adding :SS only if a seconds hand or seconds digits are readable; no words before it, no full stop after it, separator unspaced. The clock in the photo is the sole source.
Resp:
4:19
